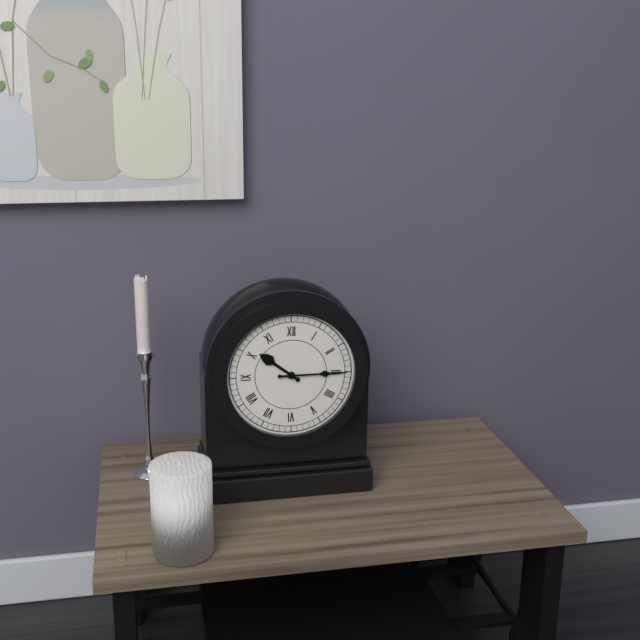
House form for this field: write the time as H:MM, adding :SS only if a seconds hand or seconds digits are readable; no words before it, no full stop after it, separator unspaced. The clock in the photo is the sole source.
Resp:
10:15
